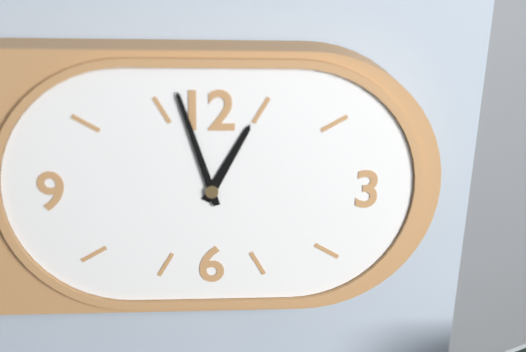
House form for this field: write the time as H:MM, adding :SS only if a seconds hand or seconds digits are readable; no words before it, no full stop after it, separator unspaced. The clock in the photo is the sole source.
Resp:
12:57
